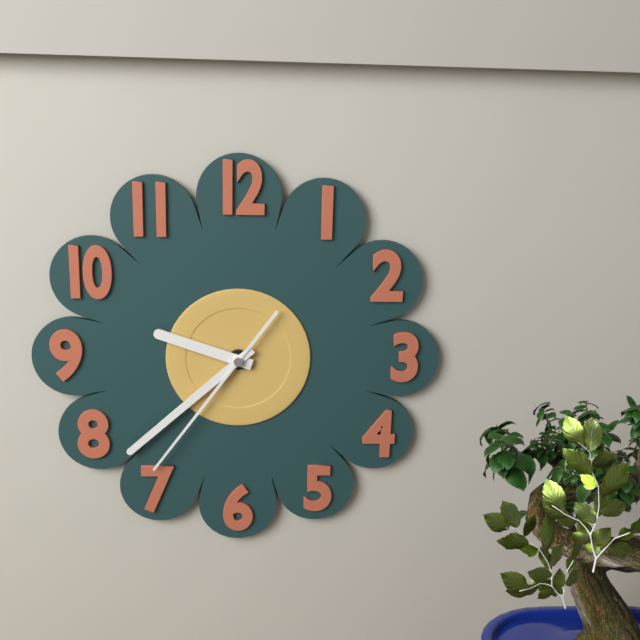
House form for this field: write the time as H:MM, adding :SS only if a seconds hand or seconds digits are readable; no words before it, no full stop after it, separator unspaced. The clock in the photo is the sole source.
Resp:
9:38:36
